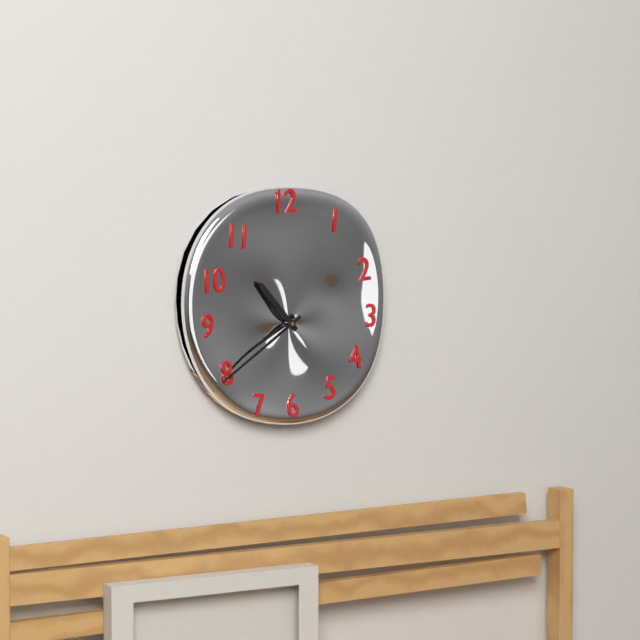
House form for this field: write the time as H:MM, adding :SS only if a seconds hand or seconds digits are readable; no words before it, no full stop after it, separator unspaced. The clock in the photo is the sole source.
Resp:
10:39
